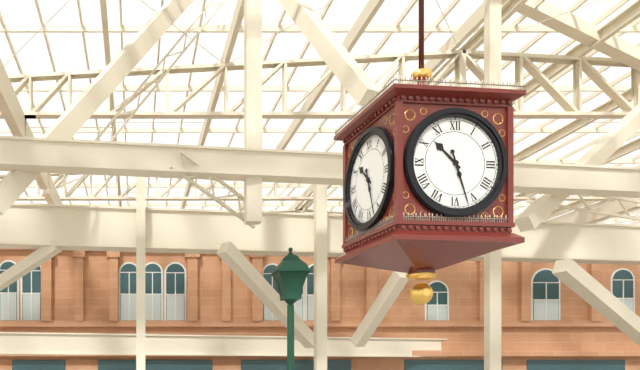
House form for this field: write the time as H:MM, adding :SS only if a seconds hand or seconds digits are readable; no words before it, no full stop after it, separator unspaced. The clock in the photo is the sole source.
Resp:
10:27
